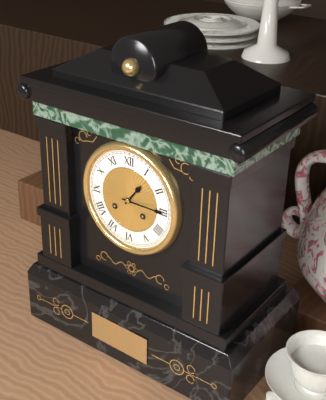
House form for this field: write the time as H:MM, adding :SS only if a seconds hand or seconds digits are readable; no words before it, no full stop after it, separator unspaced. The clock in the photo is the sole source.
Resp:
1:15
